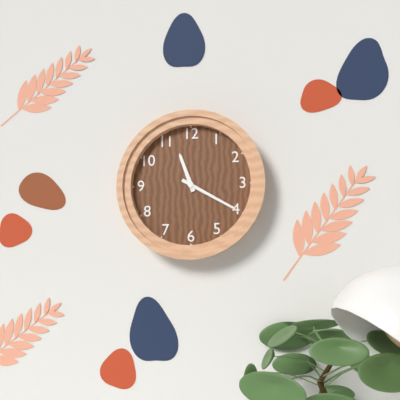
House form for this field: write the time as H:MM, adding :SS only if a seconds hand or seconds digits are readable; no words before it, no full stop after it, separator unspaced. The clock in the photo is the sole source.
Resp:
11:20
